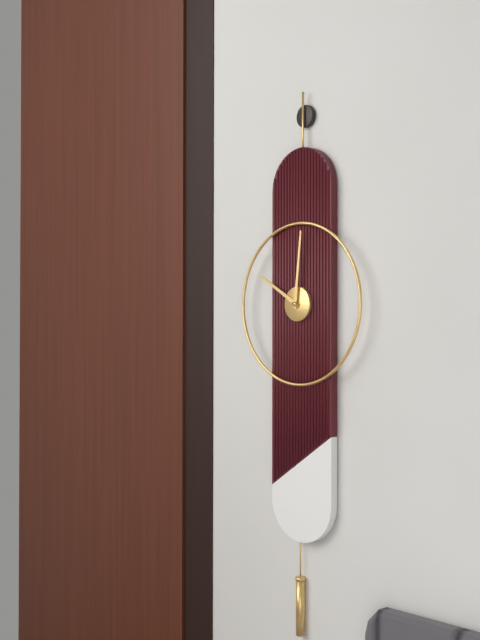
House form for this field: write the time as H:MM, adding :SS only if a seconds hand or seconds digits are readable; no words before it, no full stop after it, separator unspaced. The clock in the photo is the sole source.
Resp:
10:01
